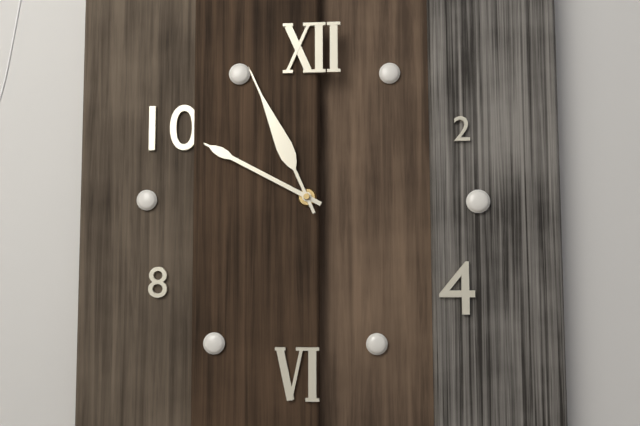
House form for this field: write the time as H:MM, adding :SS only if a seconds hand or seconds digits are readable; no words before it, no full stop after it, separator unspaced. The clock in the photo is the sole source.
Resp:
9:56
